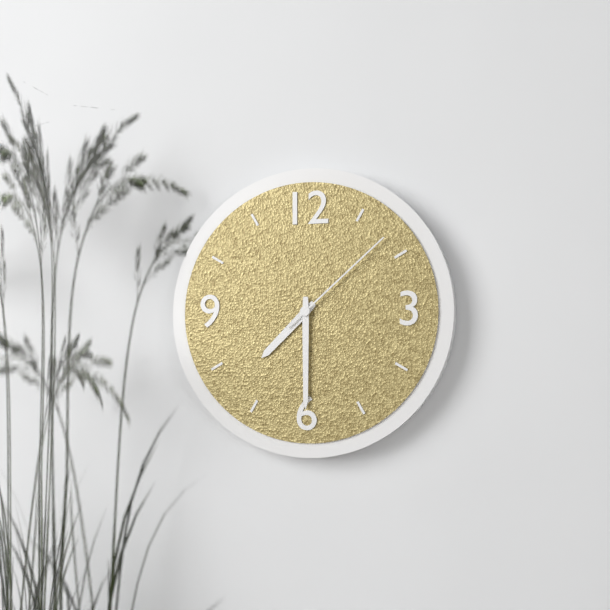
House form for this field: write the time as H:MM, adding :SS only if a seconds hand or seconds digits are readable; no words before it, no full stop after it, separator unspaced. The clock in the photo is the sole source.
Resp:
7:30:08
